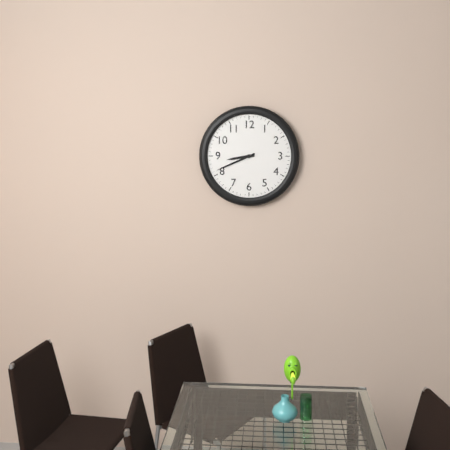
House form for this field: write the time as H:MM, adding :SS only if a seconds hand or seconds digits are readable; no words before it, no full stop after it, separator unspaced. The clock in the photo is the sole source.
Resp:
8:41
